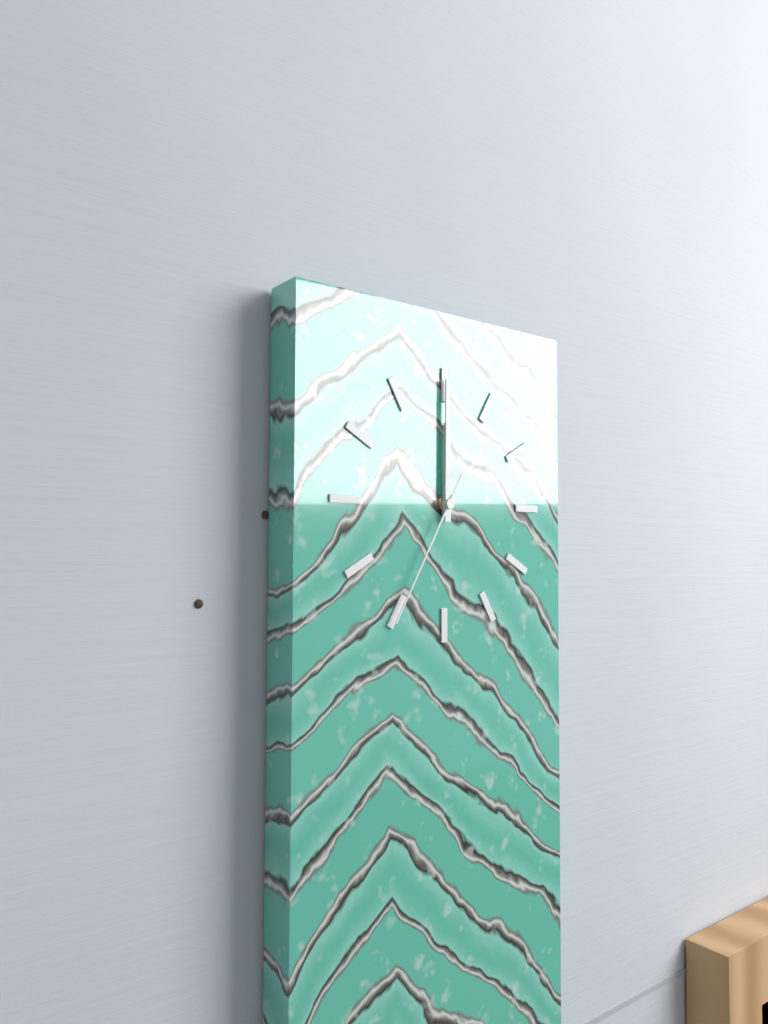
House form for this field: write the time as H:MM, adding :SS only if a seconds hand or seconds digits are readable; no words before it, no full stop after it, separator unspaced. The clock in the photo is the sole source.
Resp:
12:00:35
